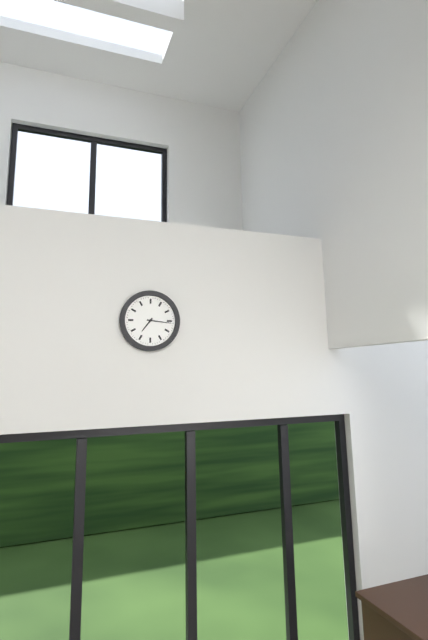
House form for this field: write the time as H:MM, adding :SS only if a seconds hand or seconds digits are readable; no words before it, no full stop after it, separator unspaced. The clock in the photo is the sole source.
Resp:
7:16
